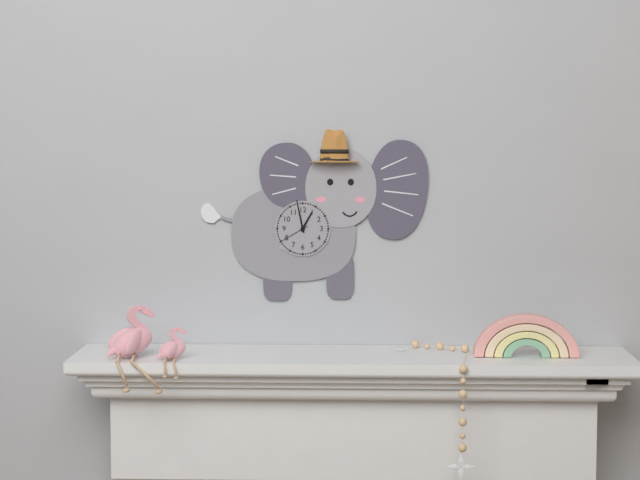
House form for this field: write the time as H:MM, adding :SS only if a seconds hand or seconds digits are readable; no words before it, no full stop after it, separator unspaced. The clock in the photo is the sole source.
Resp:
12:58
